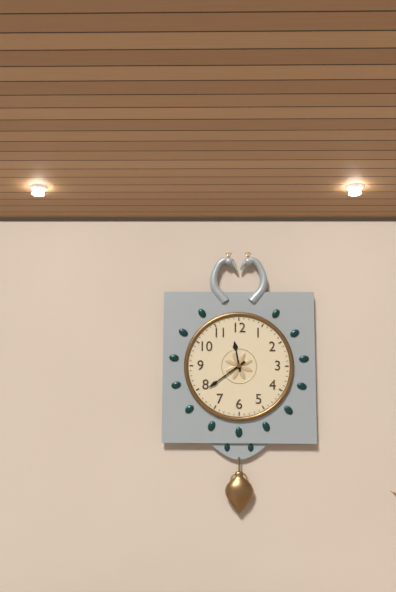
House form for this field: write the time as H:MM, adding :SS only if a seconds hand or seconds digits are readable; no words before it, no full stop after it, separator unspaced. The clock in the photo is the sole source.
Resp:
11:39
